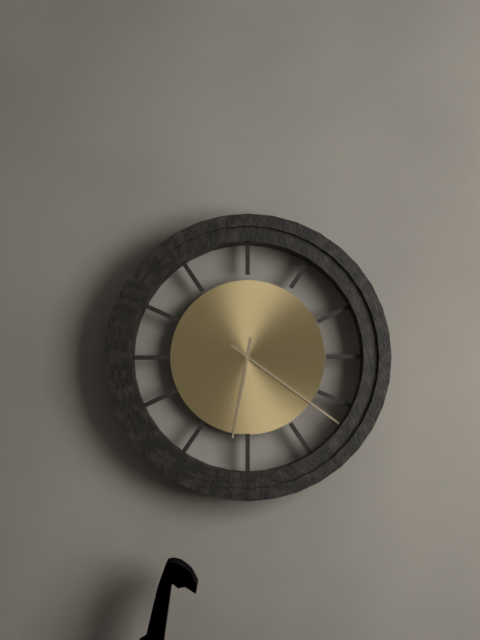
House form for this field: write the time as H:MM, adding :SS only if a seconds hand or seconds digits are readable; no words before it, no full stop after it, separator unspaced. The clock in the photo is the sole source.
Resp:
6:21
